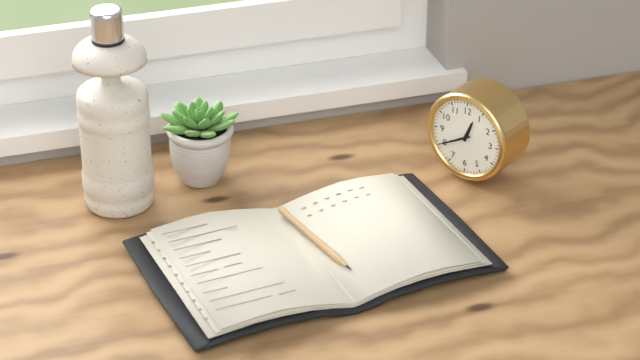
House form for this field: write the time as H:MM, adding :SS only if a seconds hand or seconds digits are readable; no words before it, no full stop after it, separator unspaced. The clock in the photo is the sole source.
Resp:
12:40
